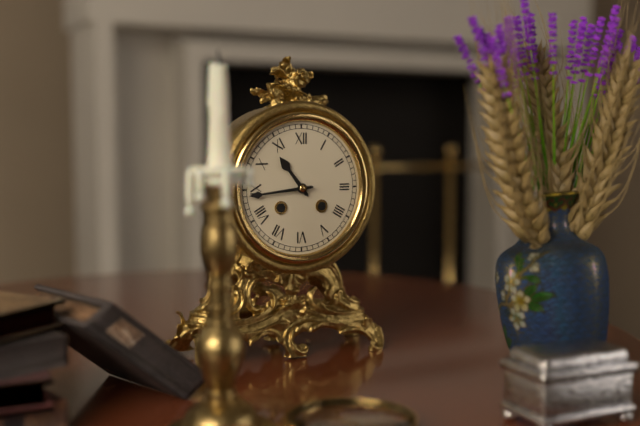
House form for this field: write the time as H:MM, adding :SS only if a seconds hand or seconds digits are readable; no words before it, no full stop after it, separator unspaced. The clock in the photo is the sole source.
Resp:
10:44
